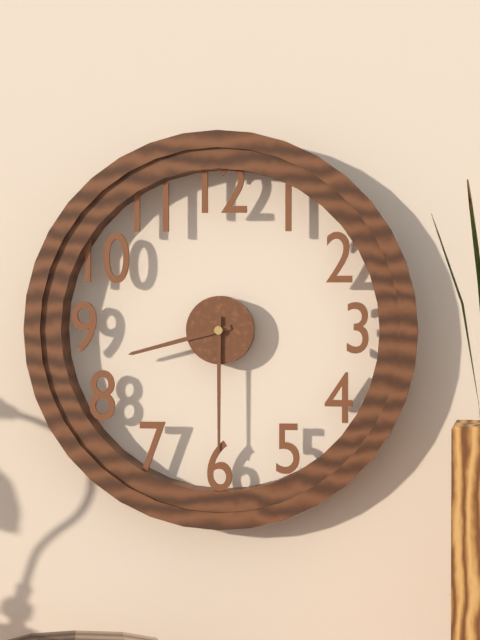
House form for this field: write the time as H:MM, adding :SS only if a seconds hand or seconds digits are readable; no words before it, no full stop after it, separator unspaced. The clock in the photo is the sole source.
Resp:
8:30
